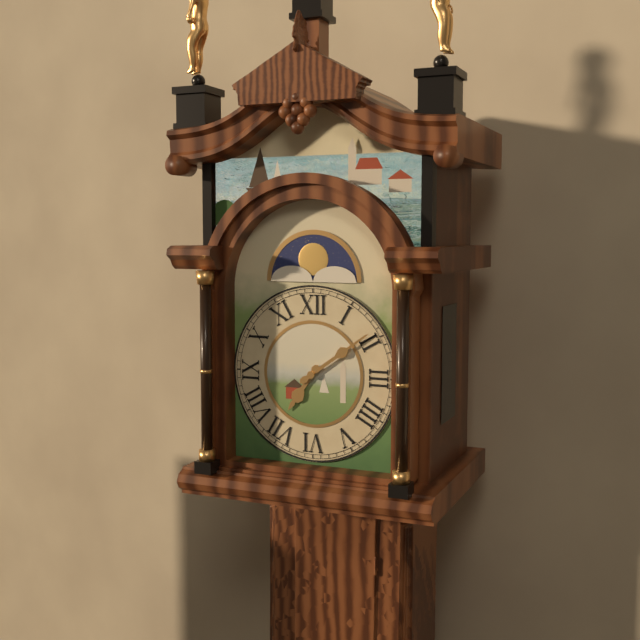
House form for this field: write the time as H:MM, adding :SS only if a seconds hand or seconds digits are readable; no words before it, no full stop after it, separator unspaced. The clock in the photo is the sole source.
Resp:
7:09
